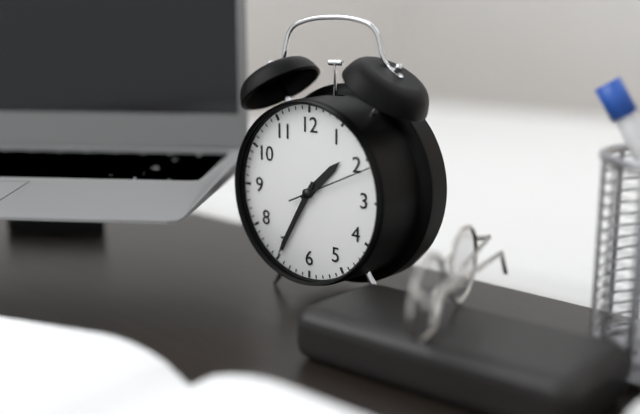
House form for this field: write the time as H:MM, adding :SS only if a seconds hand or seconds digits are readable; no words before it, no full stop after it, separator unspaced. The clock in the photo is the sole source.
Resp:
1:35:11
